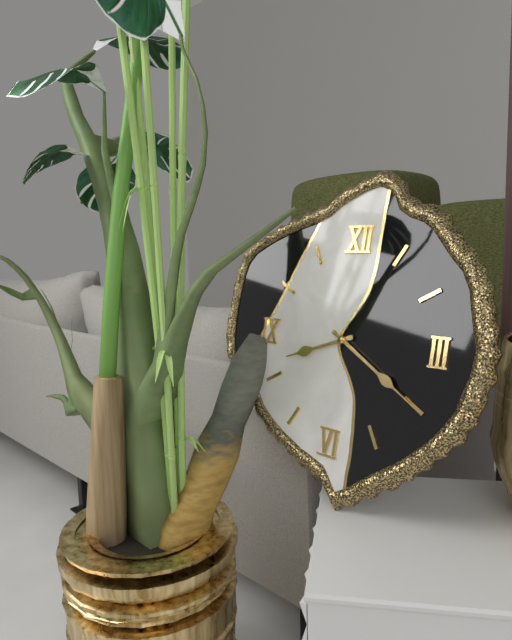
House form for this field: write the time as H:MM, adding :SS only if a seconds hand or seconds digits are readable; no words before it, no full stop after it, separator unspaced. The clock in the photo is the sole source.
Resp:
8:20
